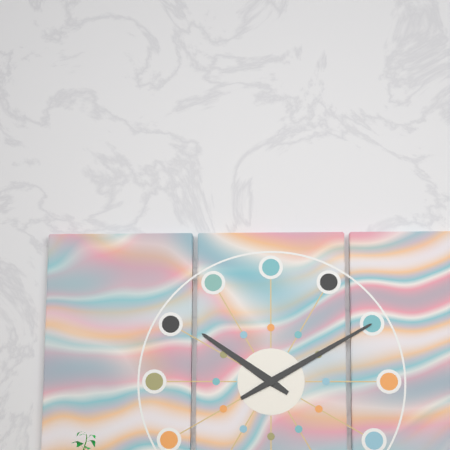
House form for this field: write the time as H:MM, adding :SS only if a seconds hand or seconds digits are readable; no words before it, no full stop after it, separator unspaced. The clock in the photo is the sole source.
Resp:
10:10
